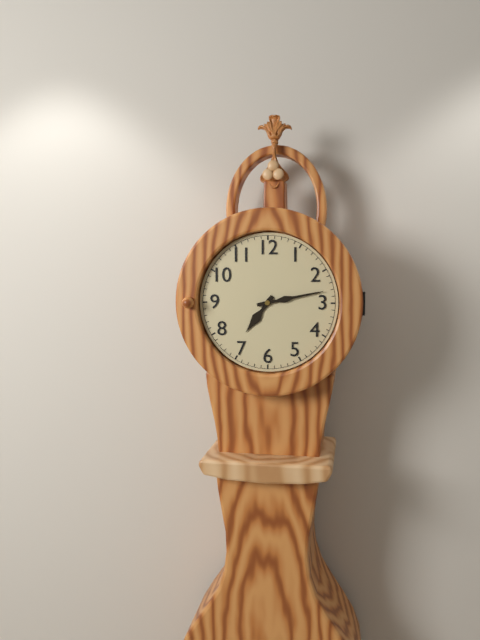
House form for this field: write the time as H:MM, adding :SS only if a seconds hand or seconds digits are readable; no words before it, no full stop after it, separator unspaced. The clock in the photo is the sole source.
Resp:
7:13
